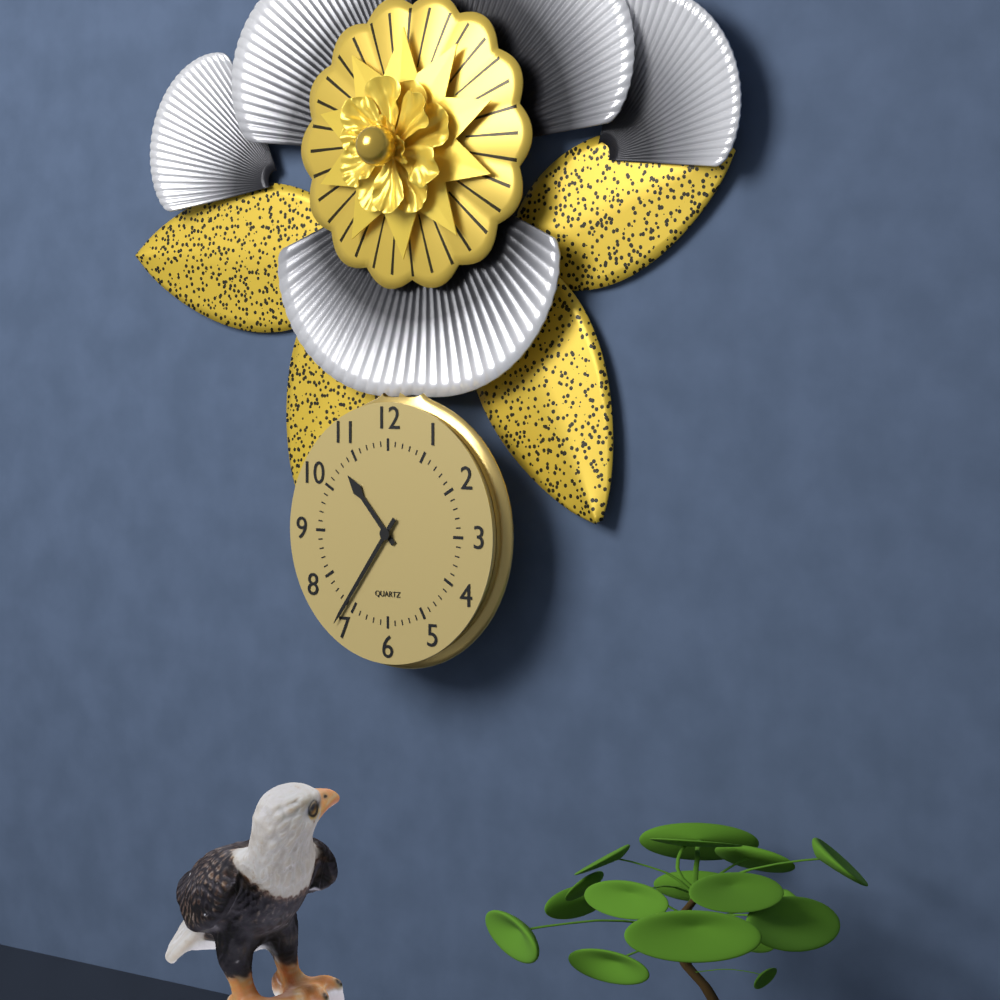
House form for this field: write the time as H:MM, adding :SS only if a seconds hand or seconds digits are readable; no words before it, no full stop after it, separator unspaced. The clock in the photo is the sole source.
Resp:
10:36
